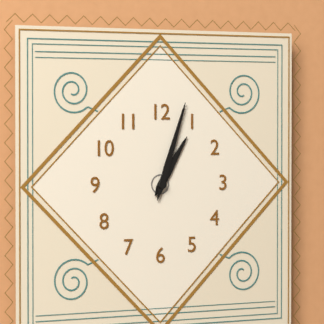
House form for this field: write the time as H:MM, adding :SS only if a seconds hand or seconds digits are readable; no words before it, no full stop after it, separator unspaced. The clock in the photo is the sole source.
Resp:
1:03
